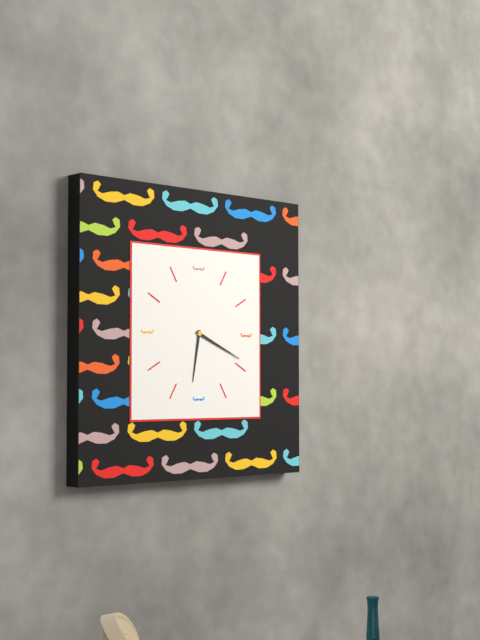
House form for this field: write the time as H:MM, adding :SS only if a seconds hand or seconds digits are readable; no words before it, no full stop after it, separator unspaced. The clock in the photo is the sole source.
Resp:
6:19
